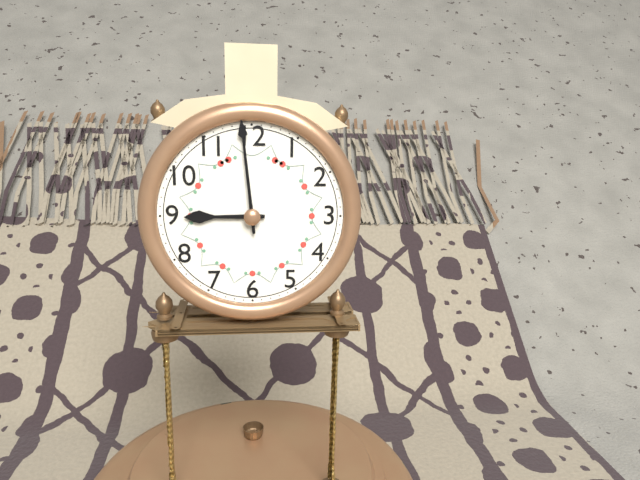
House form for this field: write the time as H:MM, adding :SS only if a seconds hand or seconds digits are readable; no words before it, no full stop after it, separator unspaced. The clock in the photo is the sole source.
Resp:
8:59
